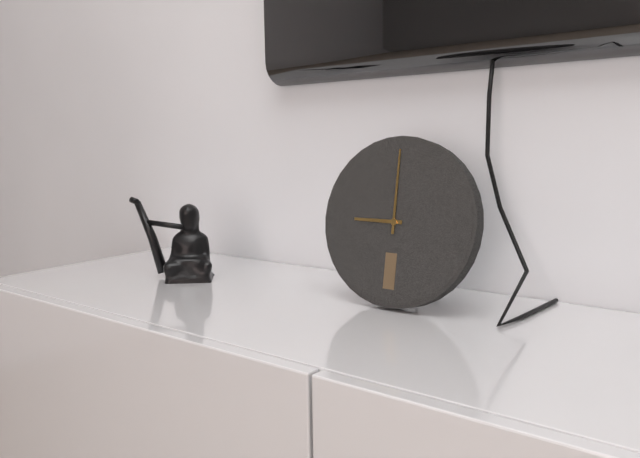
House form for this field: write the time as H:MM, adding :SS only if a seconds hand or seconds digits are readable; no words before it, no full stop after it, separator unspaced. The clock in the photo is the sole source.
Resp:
9:00
